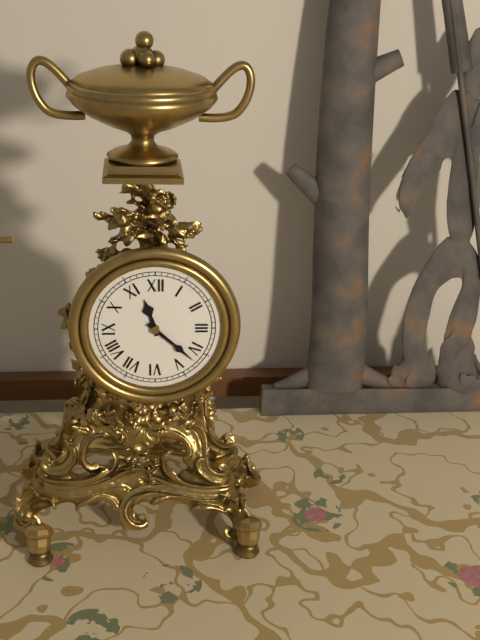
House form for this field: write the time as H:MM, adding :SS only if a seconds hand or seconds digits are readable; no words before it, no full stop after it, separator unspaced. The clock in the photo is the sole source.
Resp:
11:22
